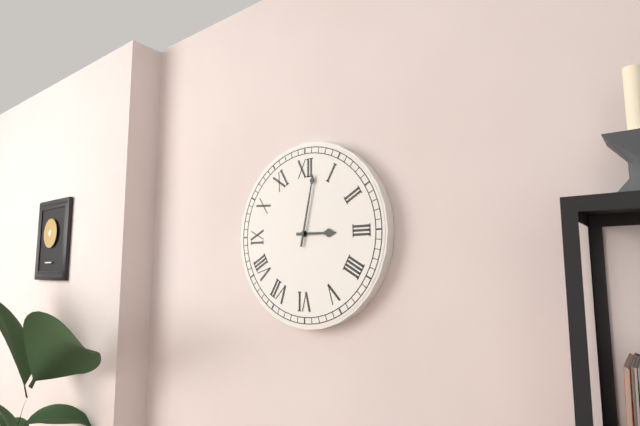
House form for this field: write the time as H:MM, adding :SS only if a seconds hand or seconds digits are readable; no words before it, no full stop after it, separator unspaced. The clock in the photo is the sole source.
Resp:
3:02
